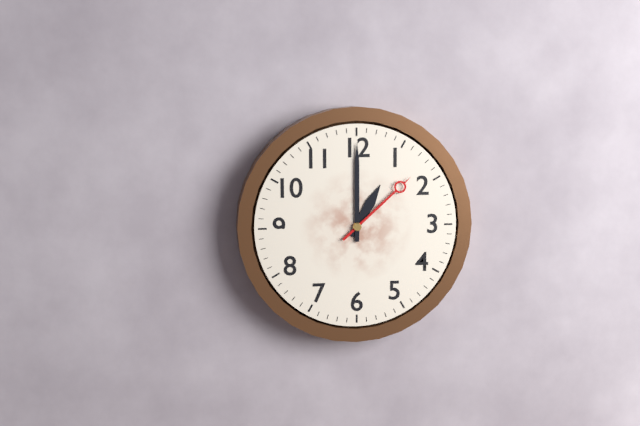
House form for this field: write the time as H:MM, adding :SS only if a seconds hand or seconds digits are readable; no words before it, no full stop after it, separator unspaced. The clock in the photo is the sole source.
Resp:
1:00:08
